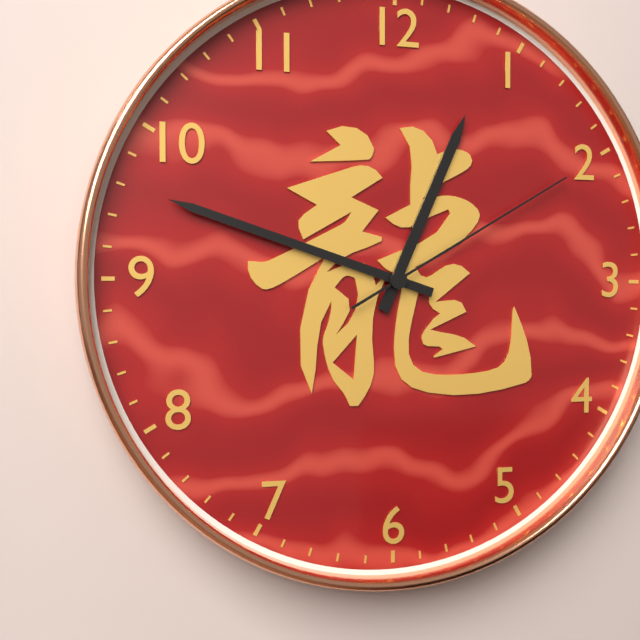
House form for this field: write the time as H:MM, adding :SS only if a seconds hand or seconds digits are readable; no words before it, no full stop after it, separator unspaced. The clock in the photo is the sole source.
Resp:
12:48:10
